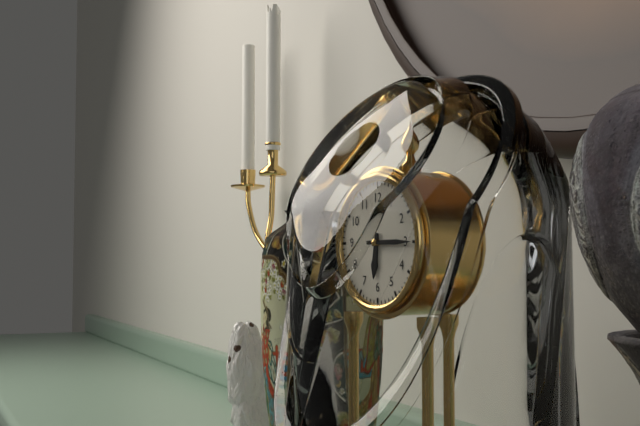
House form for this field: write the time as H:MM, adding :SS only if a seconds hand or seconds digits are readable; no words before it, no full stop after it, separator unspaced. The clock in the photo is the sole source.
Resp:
6:15
